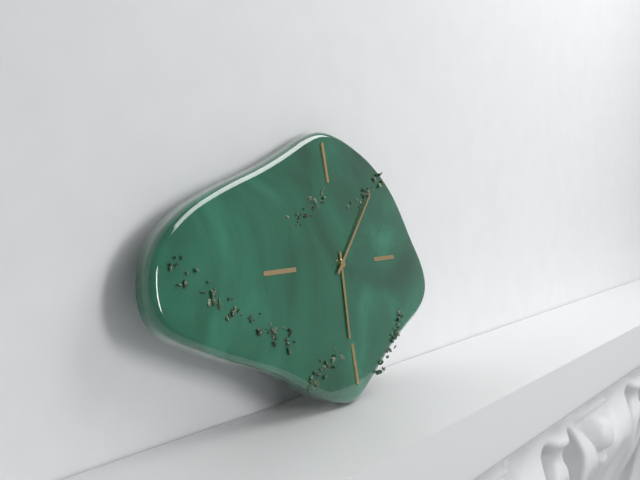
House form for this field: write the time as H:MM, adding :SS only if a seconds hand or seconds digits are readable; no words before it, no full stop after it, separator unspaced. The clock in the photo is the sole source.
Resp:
6:08
